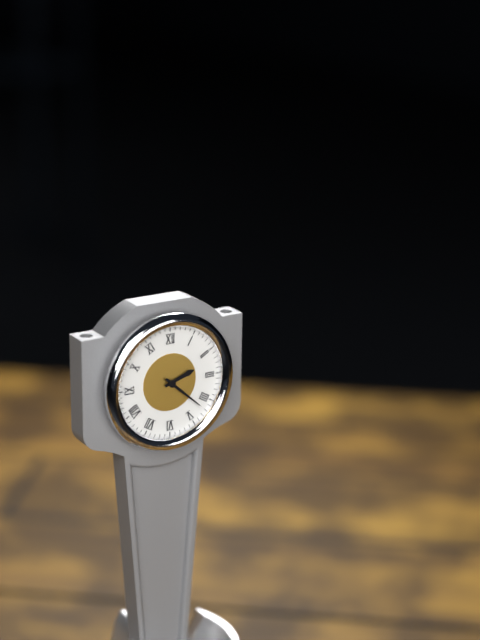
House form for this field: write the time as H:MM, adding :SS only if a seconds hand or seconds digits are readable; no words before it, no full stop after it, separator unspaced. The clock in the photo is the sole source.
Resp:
2:22
